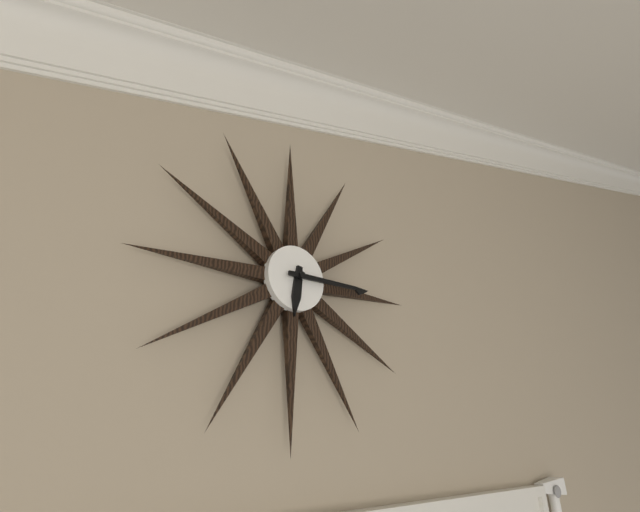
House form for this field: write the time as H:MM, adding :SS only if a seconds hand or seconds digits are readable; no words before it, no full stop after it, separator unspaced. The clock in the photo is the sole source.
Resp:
6:15
